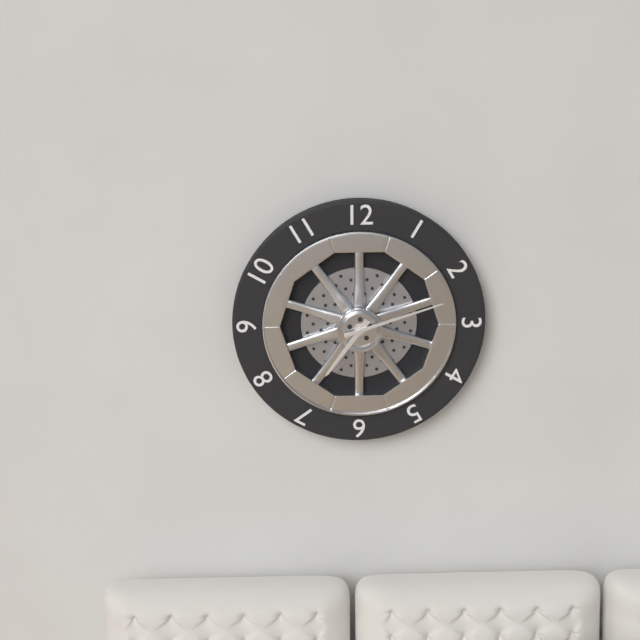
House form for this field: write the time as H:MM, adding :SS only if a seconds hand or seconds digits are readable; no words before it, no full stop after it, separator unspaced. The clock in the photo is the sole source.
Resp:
7:12
